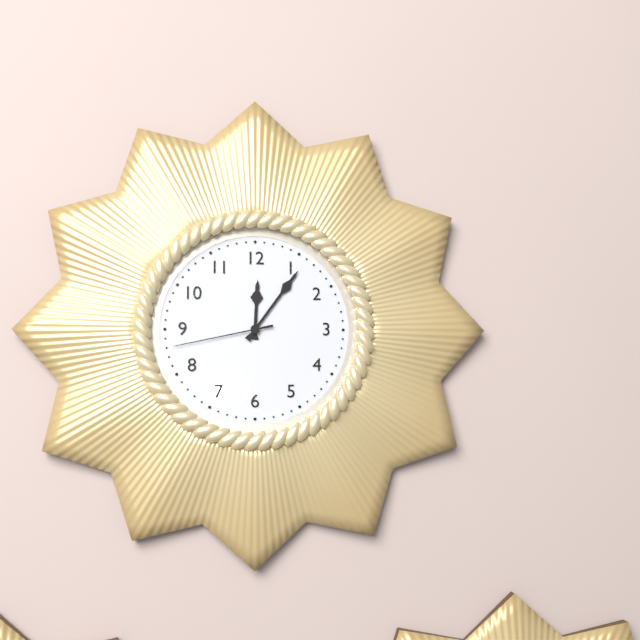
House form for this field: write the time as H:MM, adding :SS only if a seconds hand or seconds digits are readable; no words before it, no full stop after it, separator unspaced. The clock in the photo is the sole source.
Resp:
12:06:43
